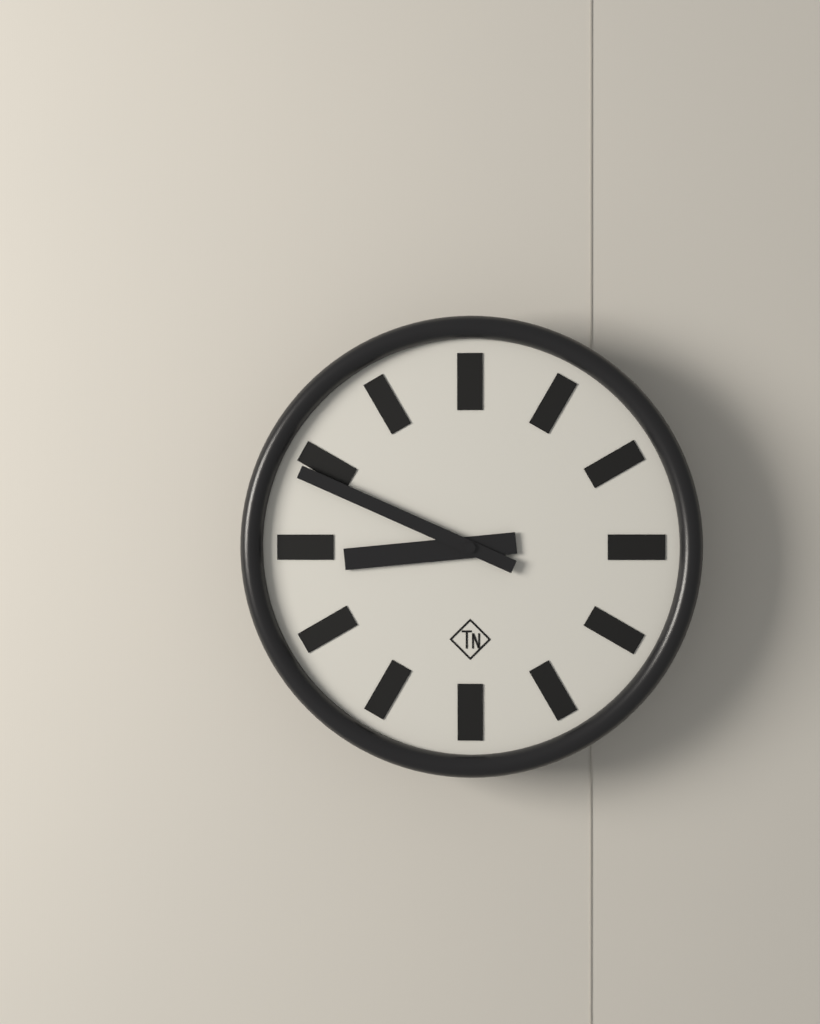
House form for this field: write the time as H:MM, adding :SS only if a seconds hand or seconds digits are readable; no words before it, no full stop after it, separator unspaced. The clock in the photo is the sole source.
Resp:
8:49
